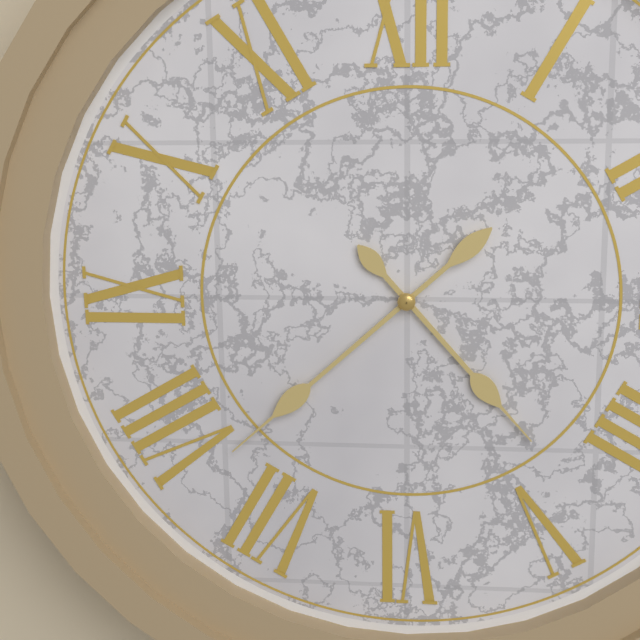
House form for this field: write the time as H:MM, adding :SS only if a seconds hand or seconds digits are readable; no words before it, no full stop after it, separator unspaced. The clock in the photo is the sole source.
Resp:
4:38
